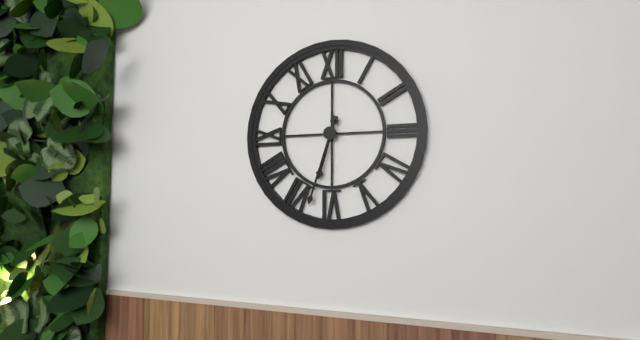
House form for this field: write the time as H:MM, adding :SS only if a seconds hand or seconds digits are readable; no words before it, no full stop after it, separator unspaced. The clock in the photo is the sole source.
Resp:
6:33
